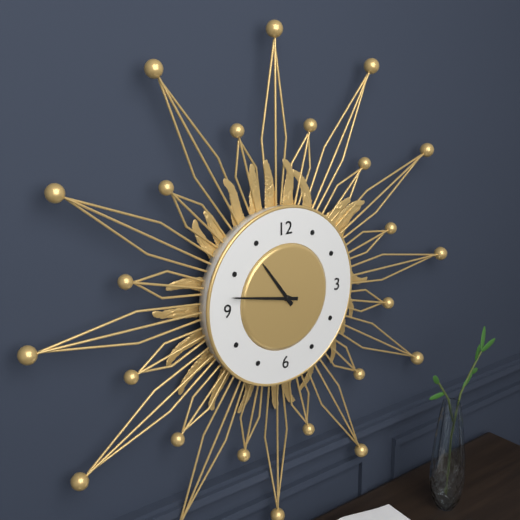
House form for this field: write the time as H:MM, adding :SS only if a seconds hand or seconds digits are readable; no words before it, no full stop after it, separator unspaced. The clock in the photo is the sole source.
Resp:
10:47
